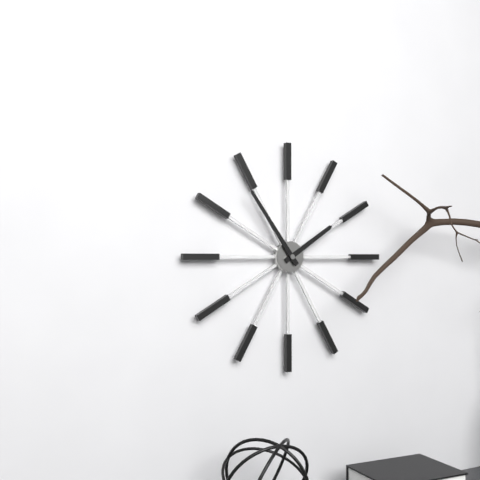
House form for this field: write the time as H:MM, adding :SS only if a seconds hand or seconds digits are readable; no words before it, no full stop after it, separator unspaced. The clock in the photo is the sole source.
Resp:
1:54
